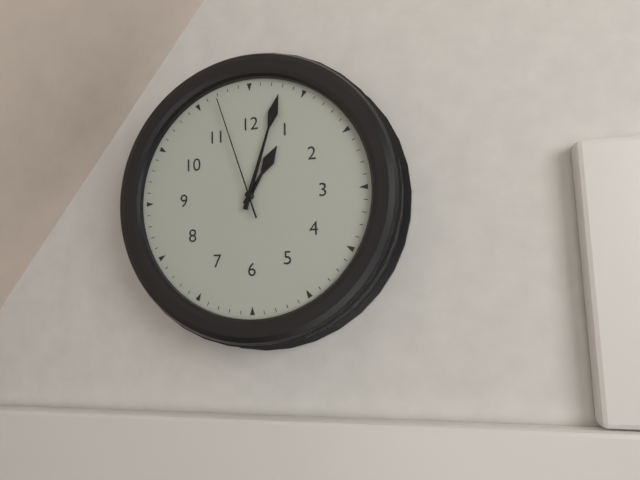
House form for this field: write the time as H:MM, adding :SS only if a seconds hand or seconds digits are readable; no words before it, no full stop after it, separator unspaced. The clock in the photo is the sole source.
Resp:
1:03:57
